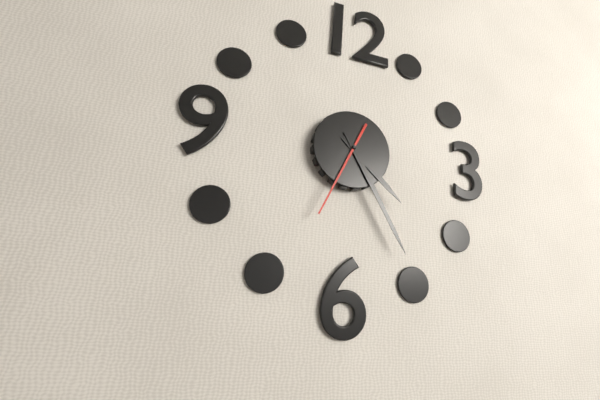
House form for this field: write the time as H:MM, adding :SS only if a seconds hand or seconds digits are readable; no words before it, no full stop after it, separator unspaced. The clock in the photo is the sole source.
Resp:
4:25:34
